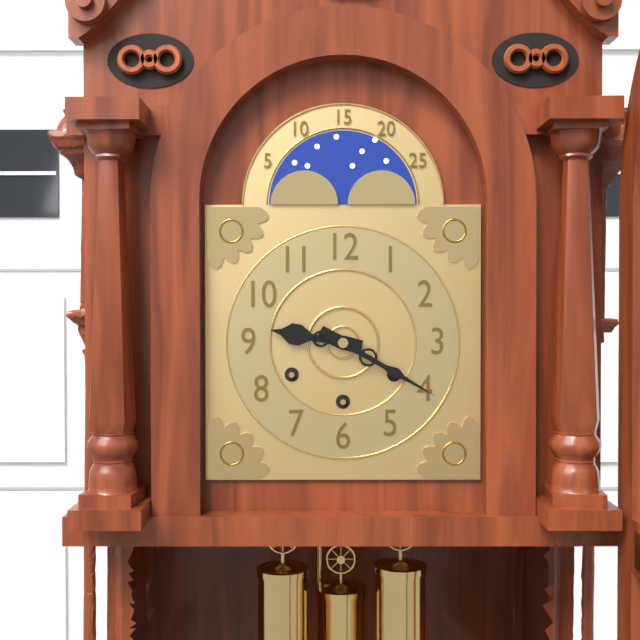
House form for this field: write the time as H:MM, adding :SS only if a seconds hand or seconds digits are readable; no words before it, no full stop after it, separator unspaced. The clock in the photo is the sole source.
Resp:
9:20
